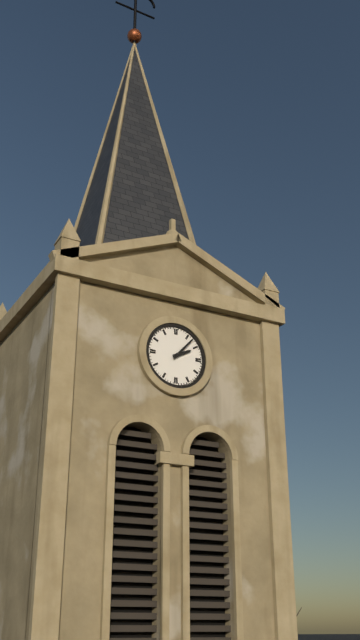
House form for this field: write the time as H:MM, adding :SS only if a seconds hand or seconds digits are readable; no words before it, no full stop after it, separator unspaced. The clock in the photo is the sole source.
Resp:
2:07
